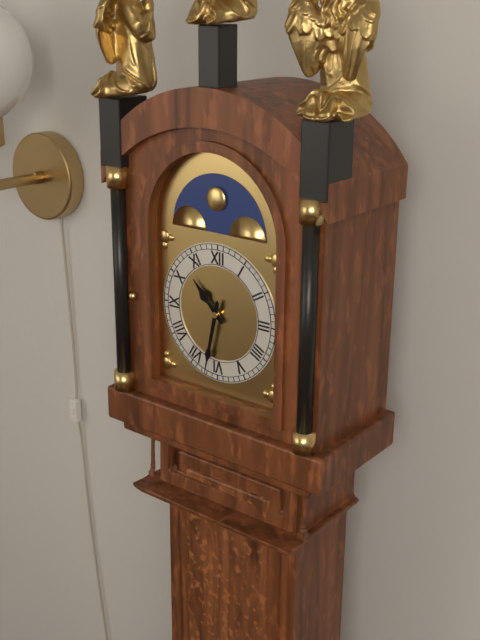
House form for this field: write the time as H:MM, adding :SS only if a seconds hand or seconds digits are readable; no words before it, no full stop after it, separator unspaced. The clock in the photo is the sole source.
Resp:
10:32
